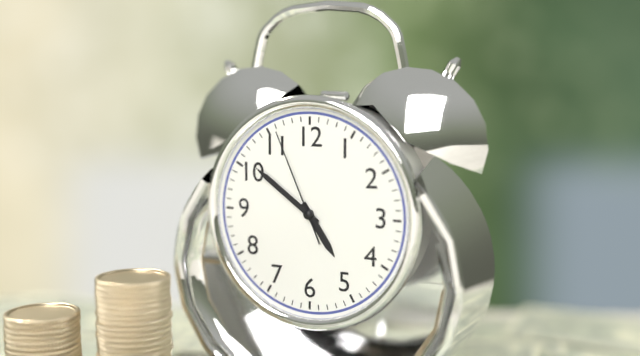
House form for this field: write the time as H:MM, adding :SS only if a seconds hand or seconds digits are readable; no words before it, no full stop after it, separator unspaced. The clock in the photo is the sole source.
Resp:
4:51:56
